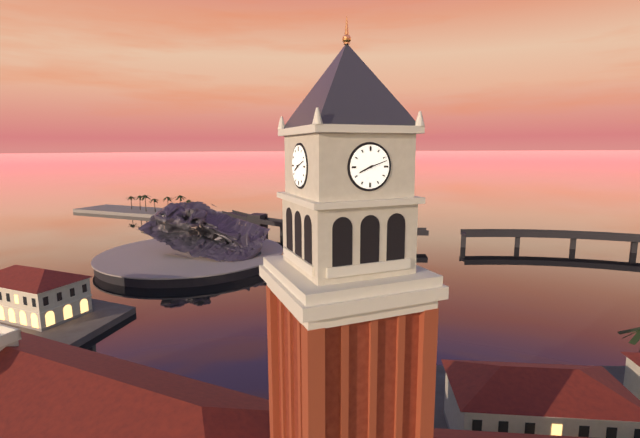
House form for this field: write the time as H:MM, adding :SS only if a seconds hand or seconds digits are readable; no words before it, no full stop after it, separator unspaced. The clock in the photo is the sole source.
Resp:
8:12
